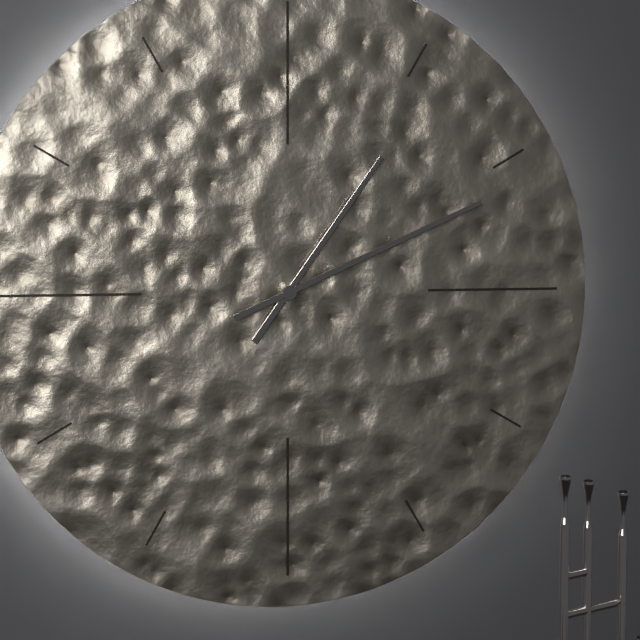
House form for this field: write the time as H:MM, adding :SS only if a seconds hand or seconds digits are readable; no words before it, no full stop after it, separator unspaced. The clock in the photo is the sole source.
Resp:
1:11
